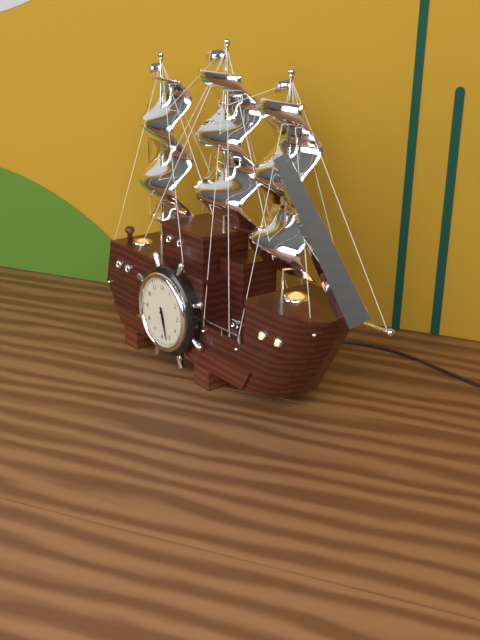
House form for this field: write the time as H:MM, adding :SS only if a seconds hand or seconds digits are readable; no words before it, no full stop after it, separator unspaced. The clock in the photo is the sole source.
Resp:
5:27
